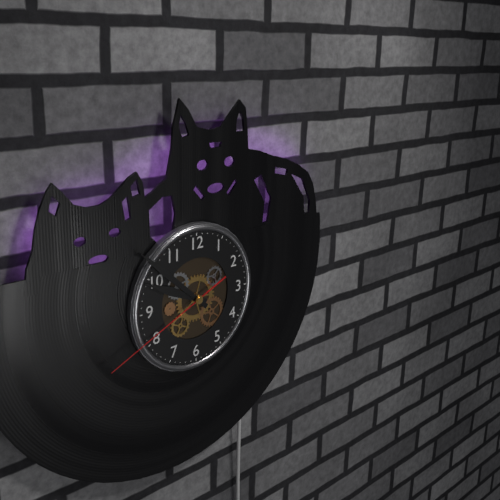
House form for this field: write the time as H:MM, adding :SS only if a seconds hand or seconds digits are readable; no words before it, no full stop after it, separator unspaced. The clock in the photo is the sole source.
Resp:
9:52:41
